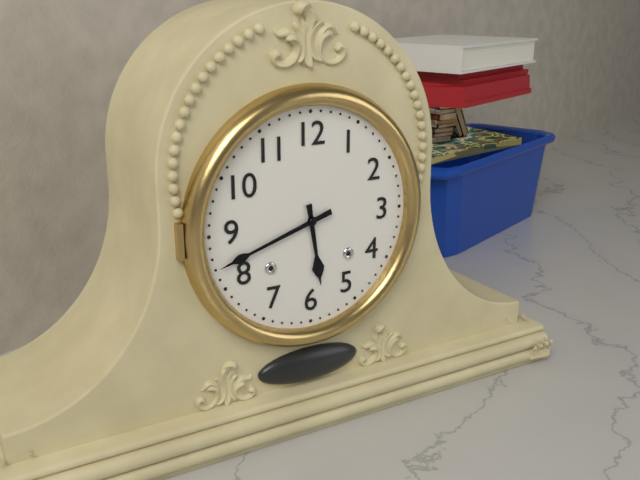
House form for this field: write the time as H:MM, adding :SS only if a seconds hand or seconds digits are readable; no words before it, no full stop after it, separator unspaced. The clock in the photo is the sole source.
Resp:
5:42
